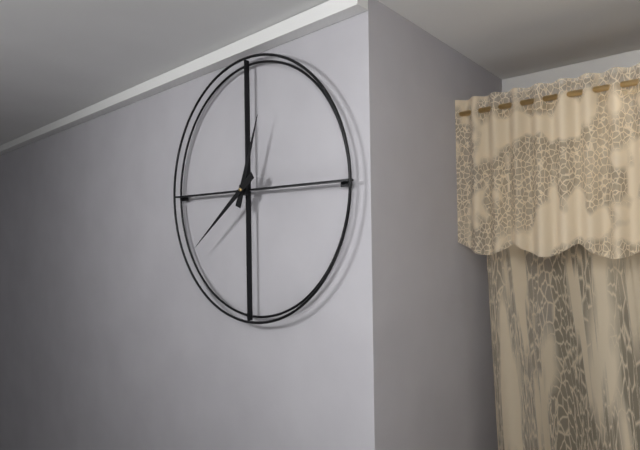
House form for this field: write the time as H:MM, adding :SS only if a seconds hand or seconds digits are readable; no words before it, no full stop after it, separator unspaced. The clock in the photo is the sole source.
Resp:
12:39
